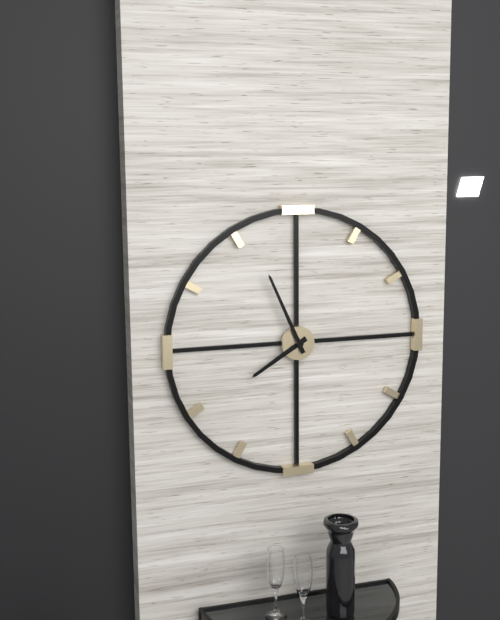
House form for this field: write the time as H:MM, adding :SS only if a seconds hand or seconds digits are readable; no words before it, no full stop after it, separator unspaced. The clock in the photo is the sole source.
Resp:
7:56
